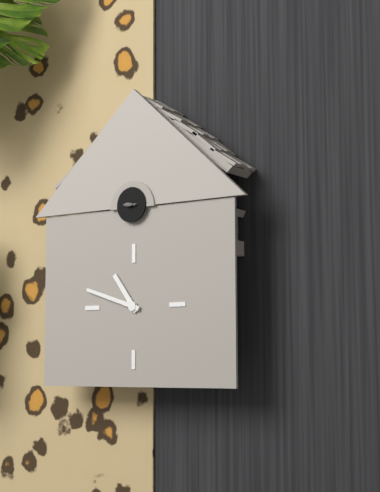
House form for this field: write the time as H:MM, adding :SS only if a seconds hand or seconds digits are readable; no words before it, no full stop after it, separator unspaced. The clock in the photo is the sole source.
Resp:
10:48
